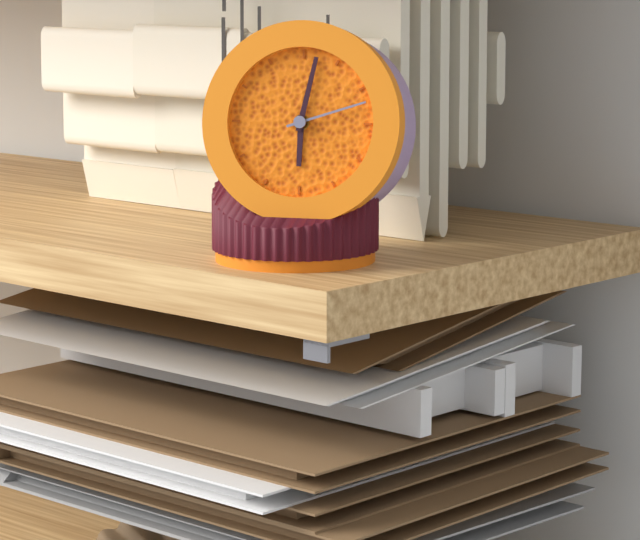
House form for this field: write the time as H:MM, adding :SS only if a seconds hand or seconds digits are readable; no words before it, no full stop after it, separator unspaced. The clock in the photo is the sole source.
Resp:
6:02:12
